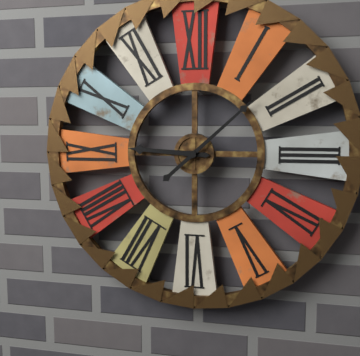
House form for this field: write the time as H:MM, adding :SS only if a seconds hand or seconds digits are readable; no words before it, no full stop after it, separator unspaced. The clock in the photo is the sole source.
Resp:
9:08
